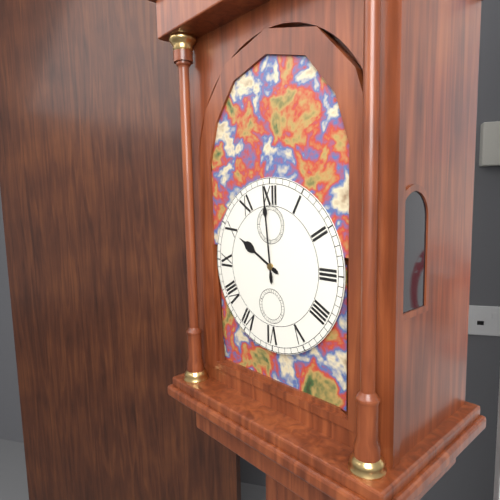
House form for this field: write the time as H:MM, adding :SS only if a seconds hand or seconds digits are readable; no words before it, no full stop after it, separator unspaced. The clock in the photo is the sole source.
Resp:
9:59
